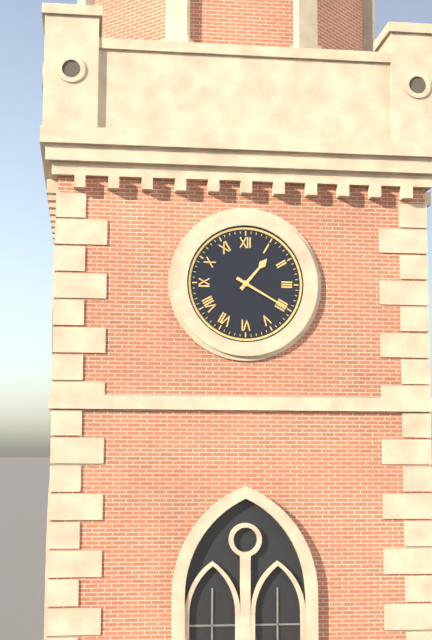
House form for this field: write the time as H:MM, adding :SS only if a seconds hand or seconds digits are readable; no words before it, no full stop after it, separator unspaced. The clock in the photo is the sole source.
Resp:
1:20
